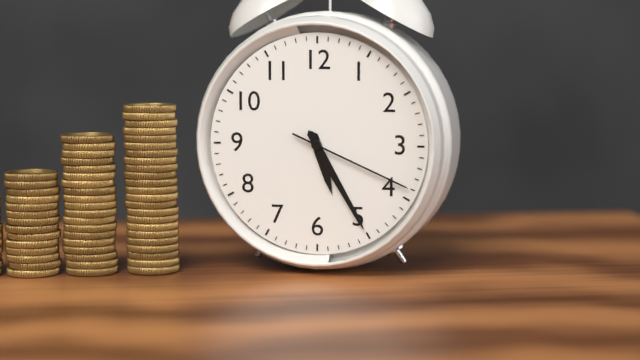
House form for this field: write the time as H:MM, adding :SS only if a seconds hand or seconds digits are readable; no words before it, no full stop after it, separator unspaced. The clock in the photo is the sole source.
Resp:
5:25:19
